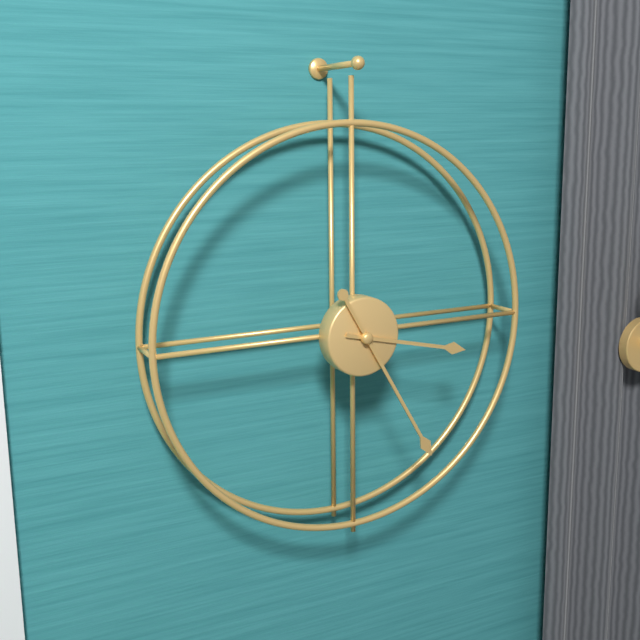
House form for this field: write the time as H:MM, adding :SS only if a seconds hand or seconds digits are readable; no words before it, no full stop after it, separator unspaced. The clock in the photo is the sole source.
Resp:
3:25
